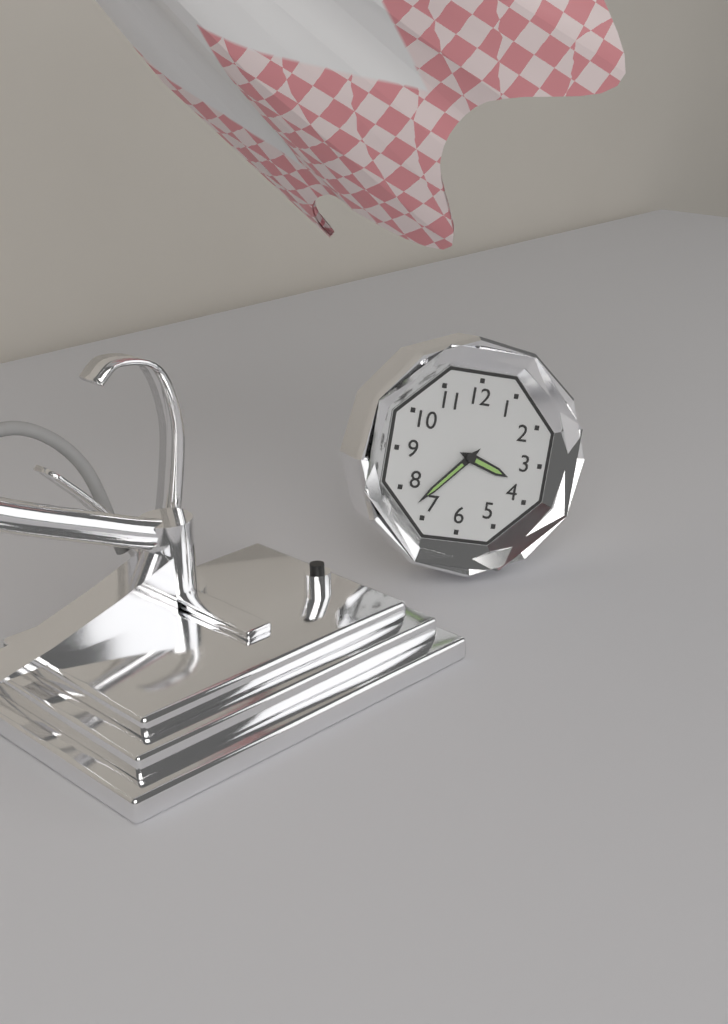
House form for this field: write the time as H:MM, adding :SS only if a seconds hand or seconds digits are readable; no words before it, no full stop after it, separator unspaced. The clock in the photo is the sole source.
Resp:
3:37
